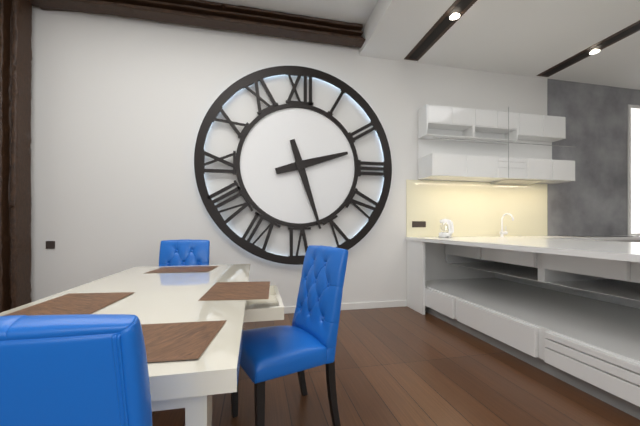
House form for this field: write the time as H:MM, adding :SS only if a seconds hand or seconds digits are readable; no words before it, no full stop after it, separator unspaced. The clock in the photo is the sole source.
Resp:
2:27
